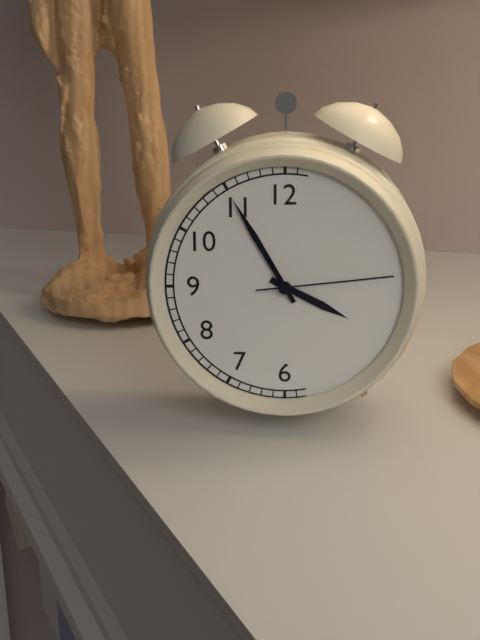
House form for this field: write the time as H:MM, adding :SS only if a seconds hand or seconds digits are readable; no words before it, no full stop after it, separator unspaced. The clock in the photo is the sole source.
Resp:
3:55:14
